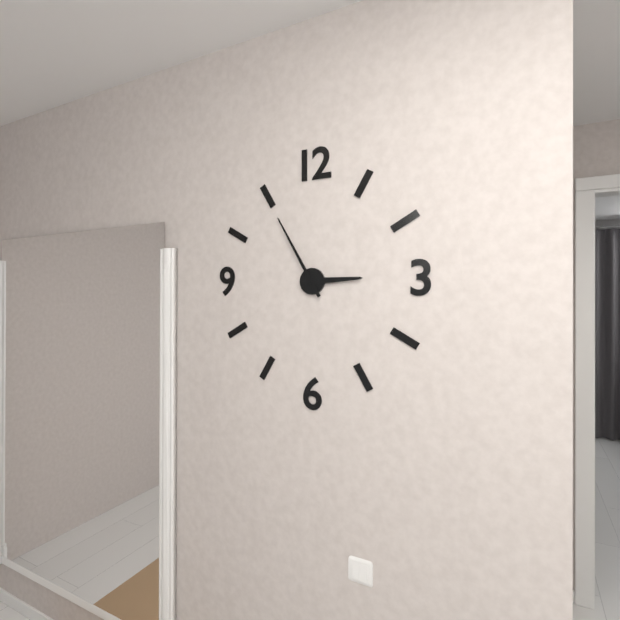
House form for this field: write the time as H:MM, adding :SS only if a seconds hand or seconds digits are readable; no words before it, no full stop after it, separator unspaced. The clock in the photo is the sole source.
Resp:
2:55
